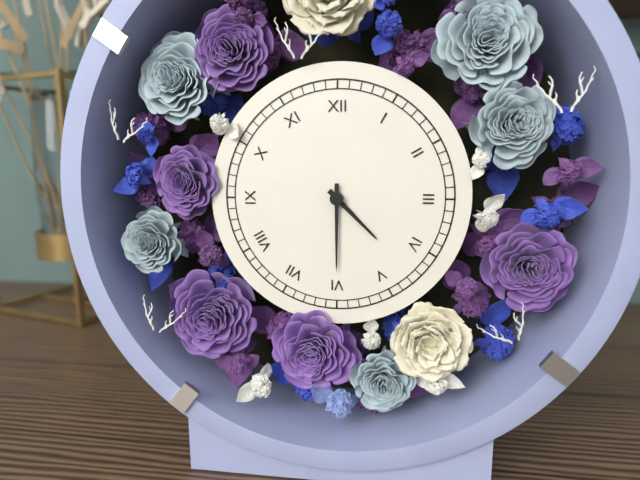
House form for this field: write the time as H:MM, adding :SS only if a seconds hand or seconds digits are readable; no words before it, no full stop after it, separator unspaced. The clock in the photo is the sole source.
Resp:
4:30
